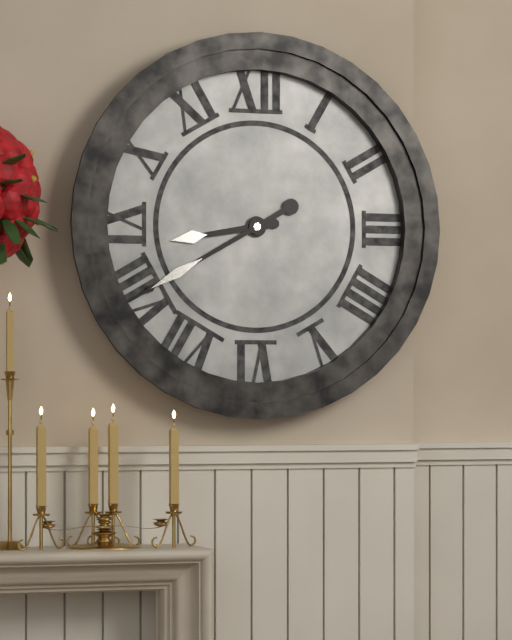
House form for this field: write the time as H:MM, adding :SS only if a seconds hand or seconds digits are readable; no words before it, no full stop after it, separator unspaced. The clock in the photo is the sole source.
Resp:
8:40
